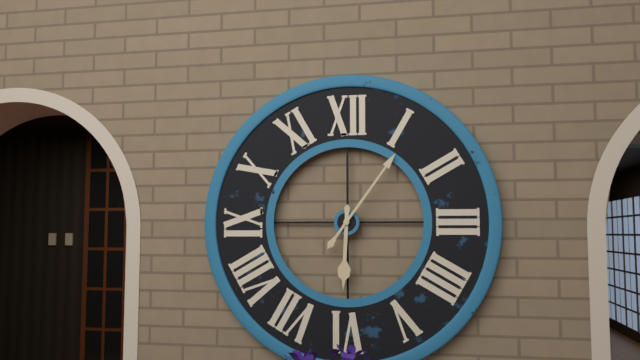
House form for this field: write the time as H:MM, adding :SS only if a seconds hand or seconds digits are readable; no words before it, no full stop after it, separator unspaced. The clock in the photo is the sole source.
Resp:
6:06
